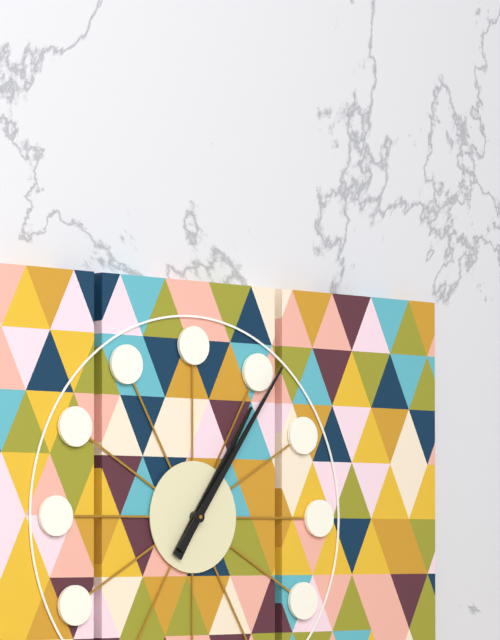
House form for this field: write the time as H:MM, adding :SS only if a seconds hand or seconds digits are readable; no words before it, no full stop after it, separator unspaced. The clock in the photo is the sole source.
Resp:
1:06
